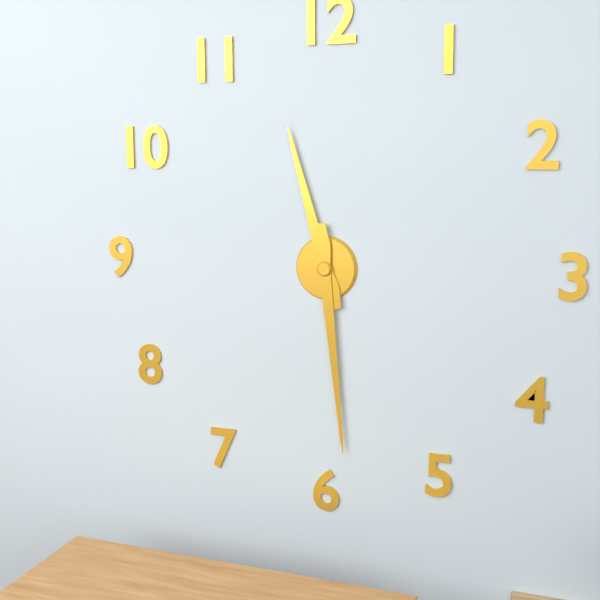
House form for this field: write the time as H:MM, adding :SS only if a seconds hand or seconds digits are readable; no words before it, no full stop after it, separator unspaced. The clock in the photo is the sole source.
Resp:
11:29
